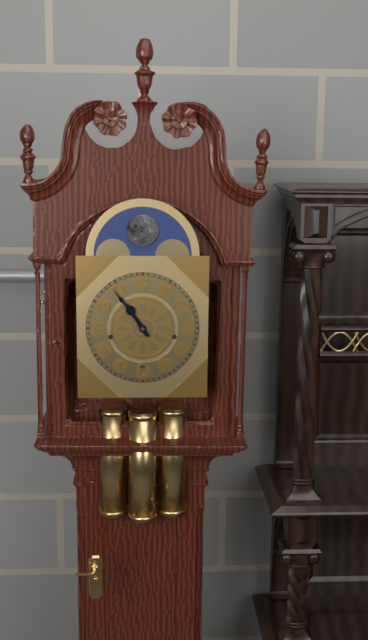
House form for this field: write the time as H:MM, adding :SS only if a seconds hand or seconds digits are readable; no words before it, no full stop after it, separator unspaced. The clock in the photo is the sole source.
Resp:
10:54
